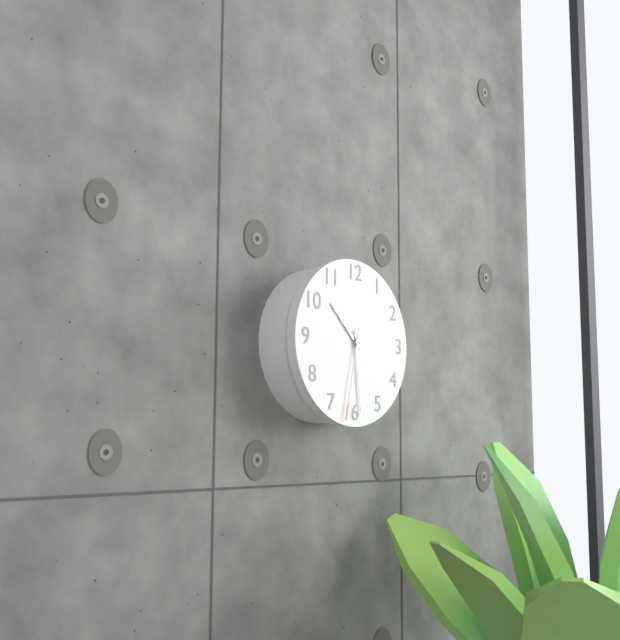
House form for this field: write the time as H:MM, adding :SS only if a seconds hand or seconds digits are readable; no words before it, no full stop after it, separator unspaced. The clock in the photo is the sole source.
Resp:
10:29:32
